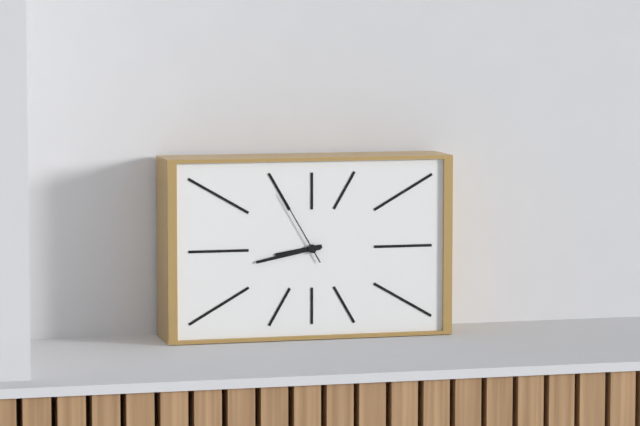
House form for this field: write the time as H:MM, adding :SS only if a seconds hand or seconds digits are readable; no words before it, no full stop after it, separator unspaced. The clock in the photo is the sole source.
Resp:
8:43:55
